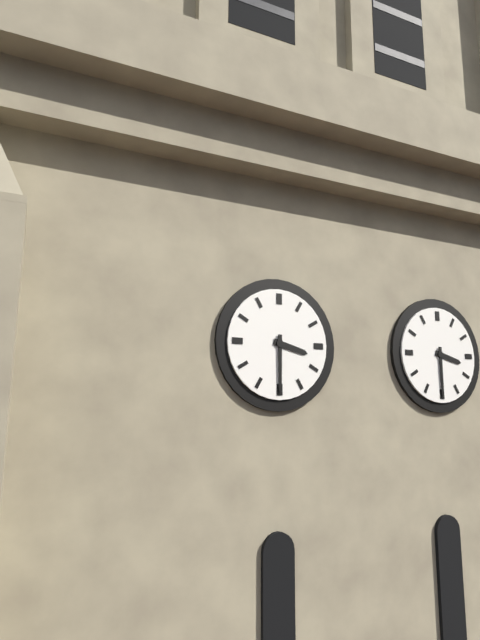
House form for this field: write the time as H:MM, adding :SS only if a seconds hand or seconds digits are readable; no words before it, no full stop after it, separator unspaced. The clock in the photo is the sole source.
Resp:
3:30
